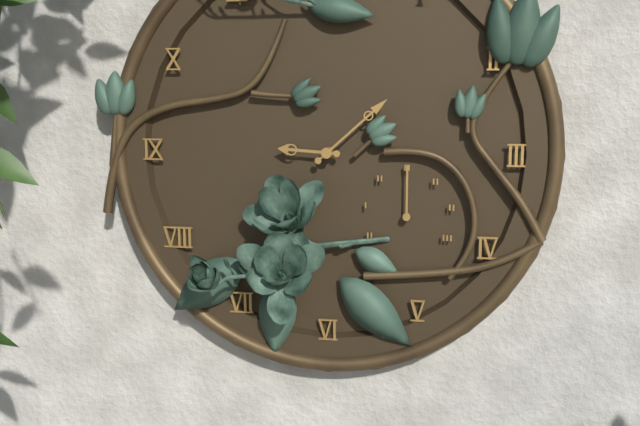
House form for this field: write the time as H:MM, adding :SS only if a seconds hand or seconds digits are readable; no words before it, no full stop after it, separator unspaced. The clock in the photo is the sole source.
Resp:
9:08
